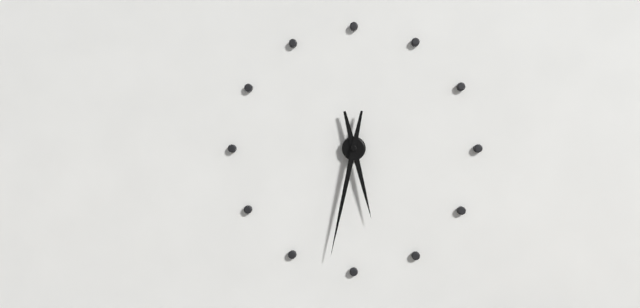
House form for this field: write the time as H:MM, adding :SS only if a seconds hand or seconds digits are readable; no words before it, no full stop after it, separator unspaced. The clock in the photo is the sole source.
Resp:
5:32
